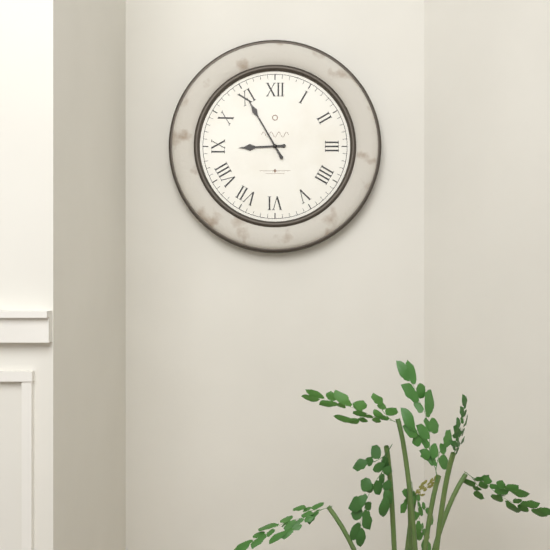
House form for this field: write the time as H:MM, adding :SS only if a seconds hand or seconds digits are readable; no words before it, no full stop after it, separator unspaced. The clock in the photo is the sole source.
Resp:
8:55
